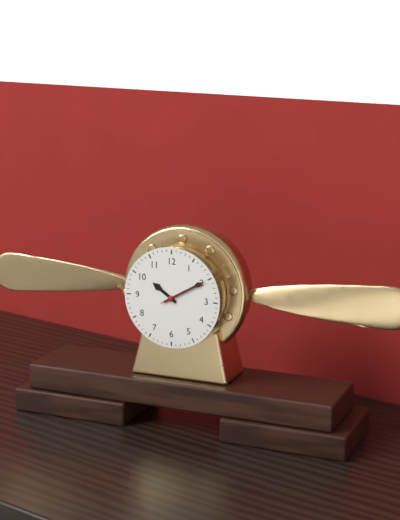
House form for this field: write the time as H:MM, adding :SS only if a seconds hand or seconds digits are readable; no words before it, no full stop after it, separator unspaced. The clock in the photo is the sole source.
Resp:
10:10
